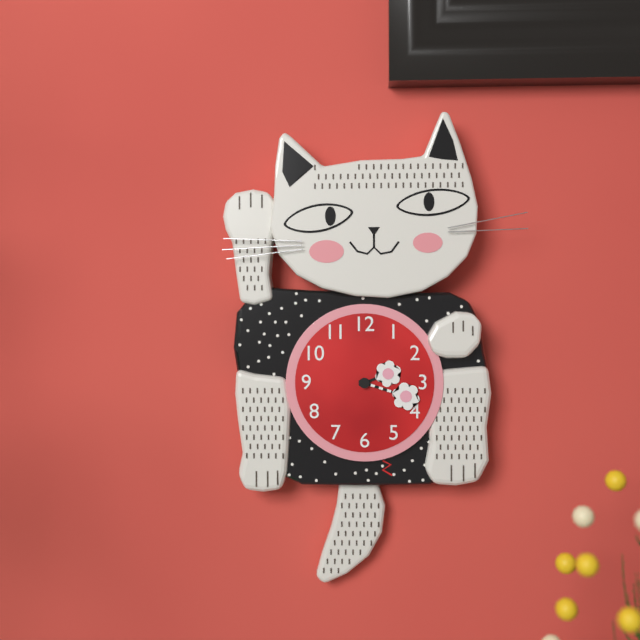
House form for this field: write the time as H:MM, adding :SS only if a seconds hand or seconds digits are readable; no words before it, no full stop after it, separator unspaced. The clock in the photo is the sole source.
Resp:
2:18
